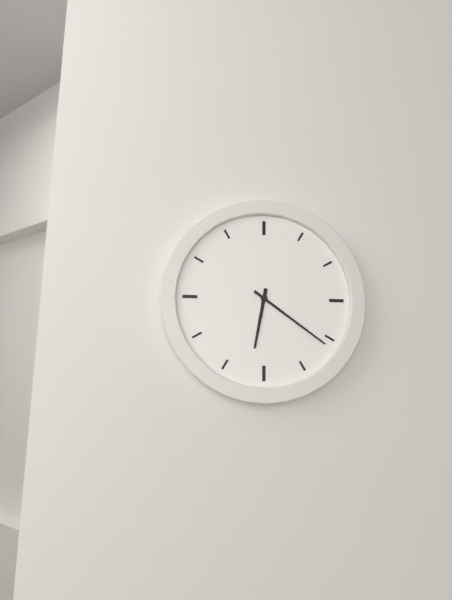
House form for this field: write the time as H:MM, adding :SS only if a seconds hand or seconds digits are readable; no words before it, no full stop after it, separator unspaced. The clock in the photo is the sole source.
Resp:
6:21
